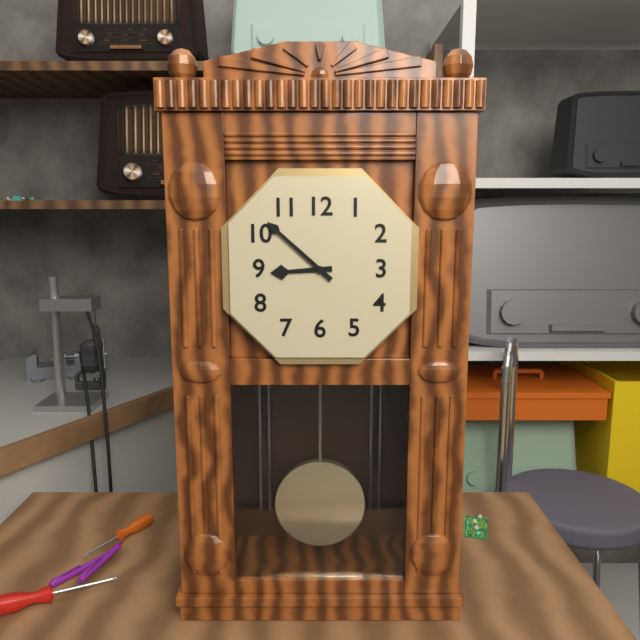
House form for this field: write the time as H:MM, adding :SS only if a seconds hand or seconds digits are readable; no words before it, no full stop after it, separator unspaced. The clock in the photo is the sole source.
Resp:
8:52
